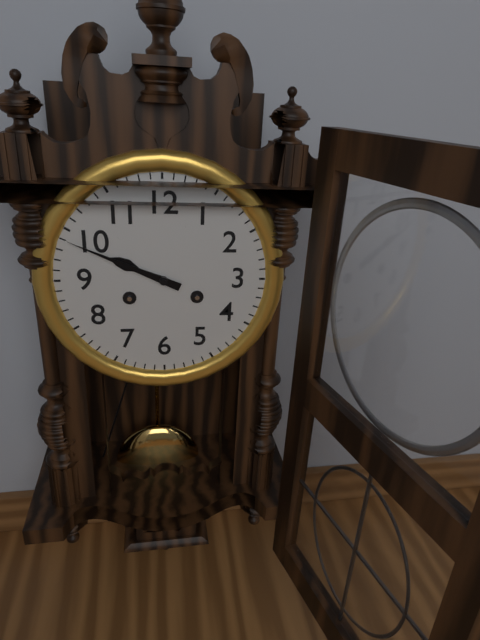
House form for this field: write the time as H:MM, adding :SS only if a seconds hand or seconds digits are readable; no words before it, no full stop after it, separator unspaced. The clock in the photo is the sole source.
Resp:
9:49
